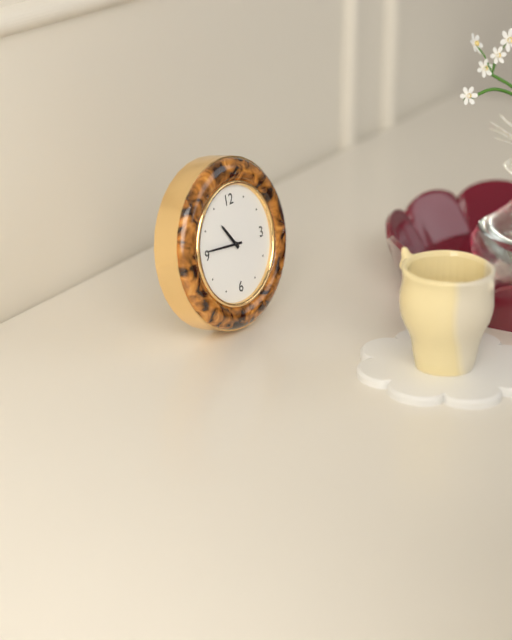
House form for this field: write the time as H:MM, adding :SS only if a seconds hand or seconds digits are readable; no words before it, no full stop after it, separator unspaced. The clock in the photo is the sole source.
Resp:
10:46
